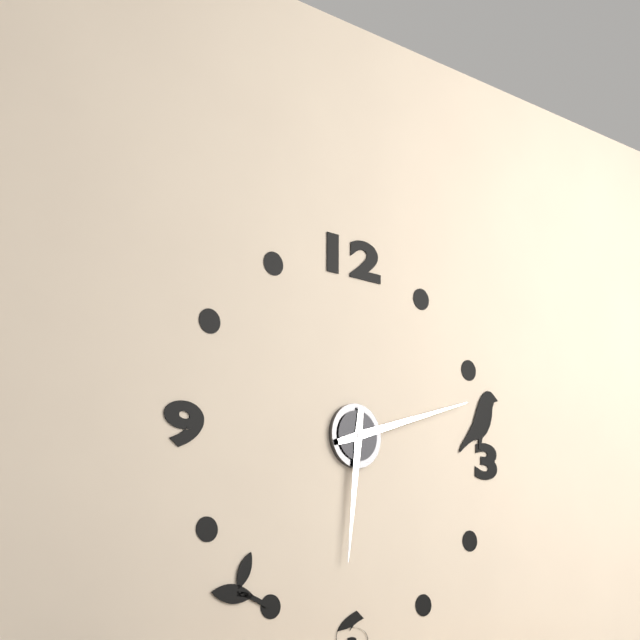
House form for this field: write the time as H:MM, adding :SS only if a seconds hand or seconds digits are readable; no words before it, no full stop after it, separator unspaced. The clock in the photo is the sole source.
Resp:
6:12
